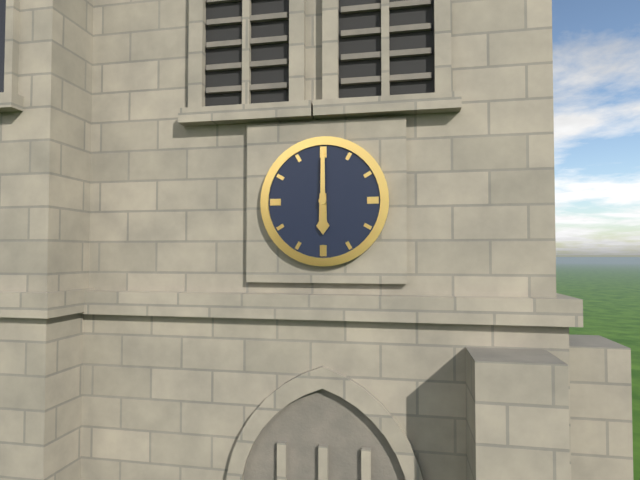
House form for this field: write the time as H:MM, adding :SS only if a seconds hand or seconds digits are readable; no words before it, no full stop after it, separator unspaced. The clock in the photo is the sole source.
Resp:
6:00
